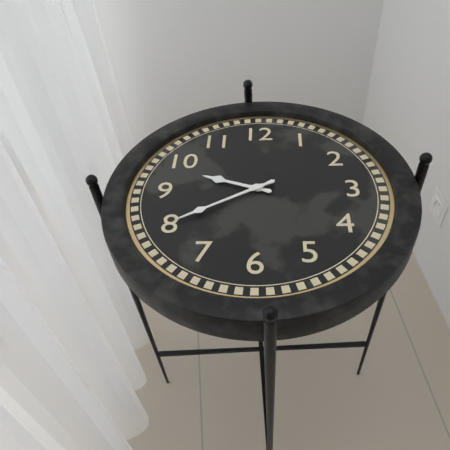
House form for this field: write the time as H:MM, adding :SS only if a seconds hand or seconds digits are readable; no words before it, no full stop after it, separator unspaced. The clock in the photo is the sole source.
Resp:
9:40
